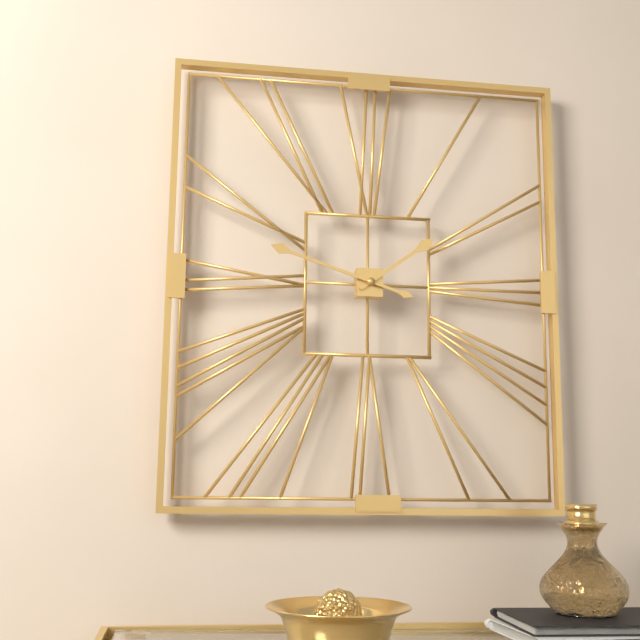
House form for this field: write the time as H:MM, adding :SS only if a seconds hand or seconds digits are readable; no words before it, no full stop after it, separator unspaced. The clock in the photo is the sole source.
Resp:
1:48
